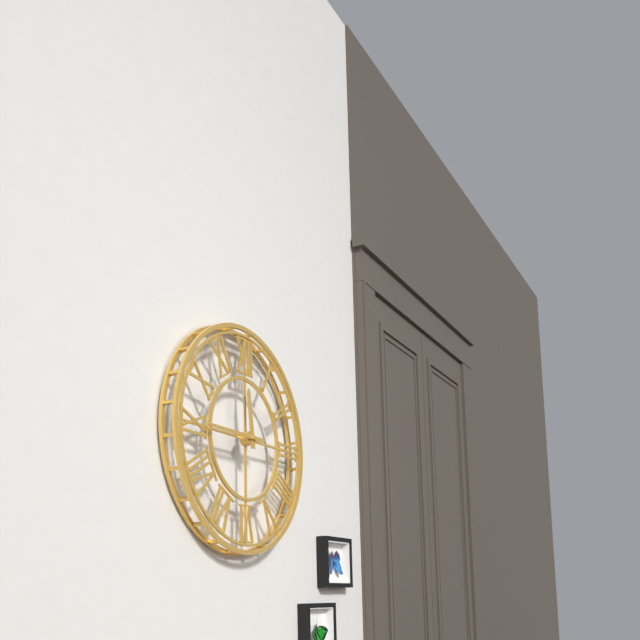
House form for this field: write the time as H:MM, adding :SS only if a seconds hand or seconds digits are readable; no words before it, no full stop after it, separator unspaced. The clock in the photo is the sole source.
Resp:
11:45
